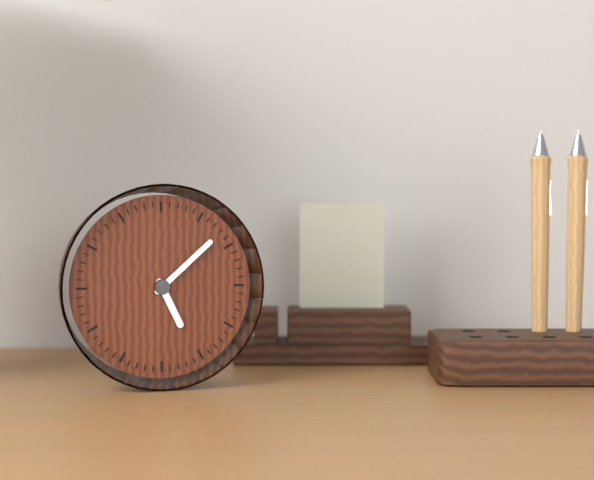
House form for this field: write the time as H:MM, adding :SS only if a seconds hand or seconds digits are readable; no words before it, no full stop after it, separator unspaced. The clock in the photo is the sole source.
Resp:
5:08
